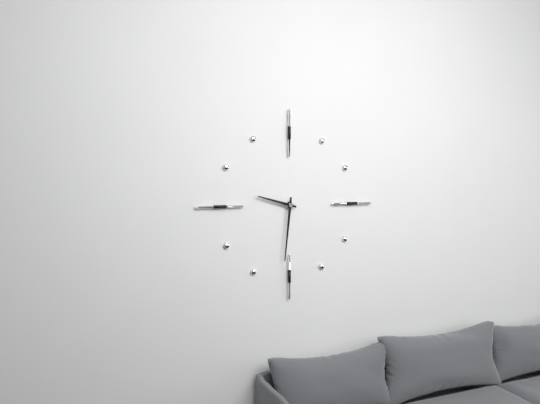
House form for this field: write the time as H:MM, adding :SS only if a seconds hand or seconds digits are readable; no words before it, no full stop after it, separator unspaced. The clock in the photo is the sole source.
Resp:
9:31
